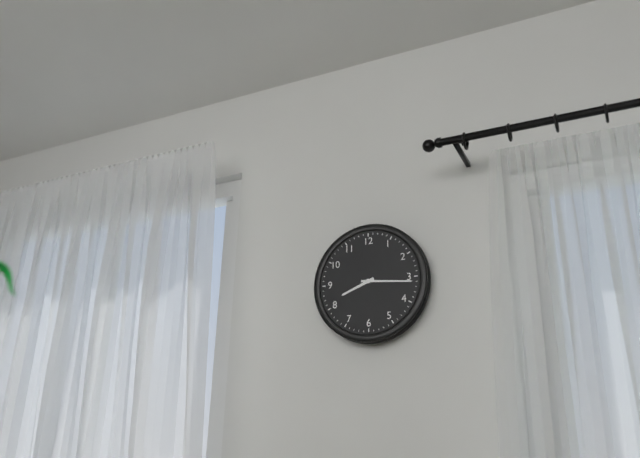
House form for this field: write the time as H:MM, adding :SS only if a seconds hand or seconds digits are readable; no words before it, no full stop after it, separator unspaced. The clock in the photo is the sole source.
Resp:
8:16
